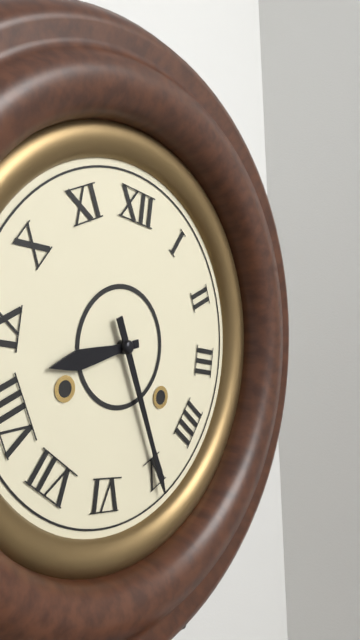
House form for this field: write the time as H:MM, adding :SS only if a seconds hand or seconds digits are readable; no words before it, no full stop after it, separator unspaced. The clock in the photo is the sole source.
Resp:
8:25
